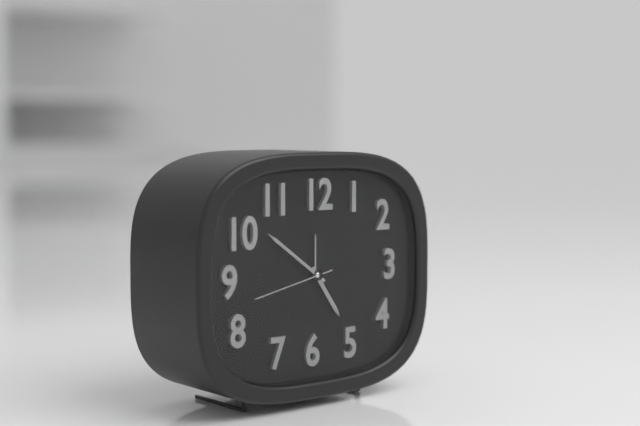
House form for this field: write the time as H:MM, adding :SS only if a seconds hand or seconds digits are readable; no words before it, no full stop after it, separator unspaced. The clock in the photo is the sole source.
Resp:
4:51:43
